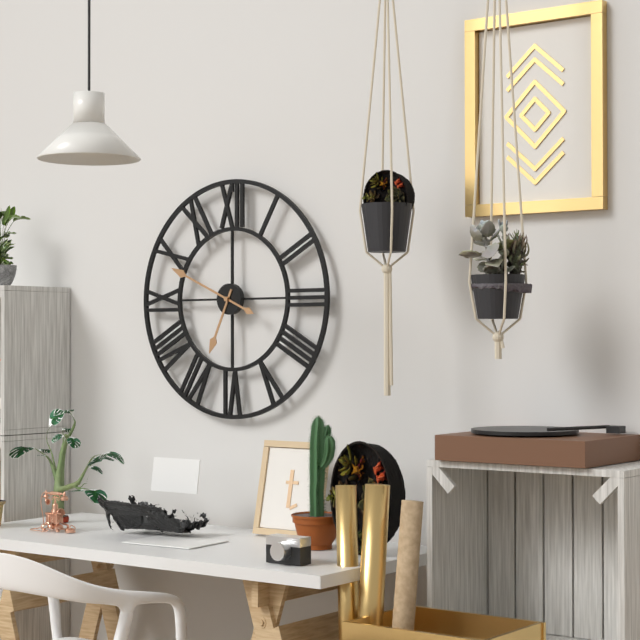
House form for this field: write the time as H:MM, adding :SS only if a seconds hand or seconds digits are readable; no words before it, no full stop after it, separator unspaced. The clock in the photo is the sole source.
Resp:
6:49
